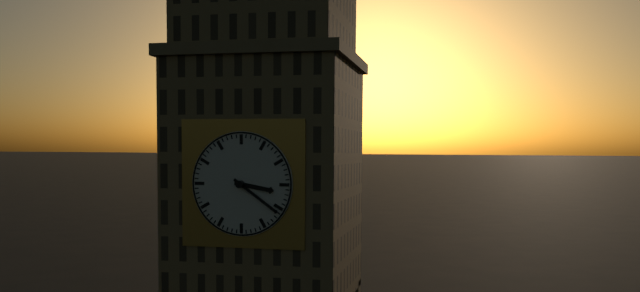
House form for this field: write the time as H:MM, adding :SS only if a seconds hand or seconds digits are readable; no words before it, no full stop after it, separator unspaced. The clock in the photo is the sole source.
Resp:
3:21
